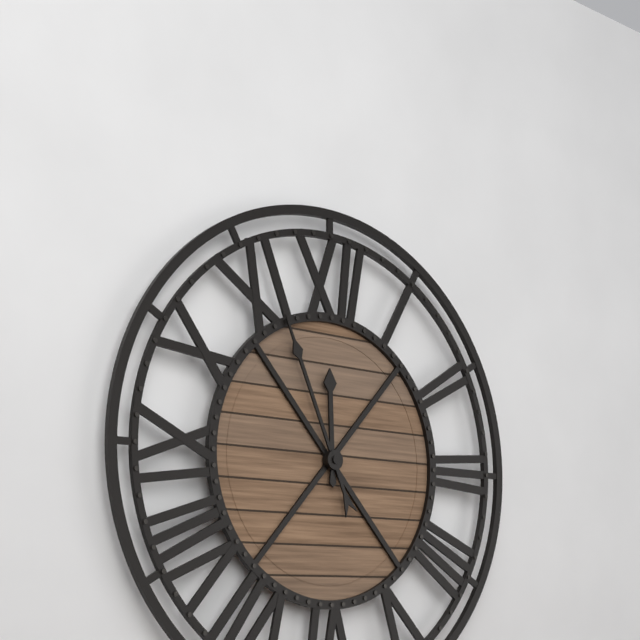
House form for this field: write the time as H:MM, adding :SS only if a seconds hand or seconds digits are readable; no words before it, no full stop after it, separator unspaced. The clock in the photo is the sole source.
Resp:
11:56
